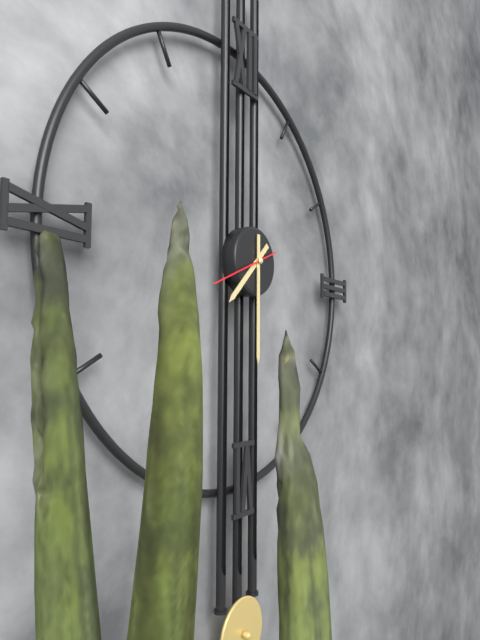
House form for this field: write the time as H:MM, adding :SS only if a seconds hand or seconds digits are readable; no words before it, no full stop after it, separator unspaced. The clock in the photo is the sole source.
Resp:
7:30:41
